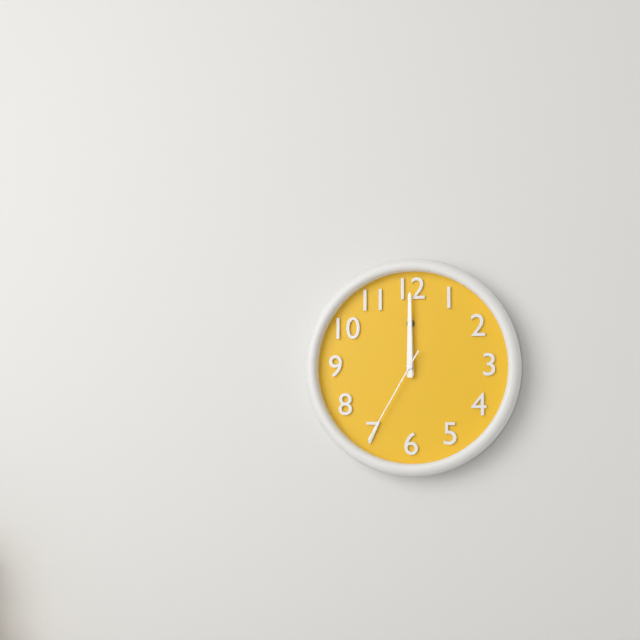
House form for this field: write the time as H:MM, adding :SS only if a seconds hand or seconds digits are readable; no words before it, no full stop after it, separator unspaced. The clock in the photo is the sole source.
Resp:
12:00:35
